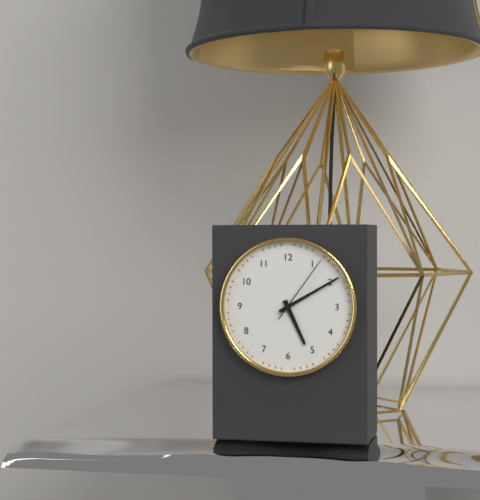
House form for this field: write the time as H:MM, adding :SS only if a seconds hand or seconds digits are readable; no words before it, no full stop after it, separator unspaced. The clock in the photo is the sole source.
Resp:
5:10:06
